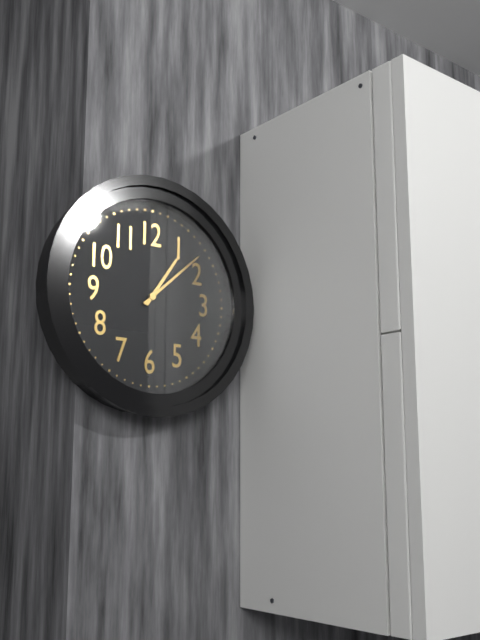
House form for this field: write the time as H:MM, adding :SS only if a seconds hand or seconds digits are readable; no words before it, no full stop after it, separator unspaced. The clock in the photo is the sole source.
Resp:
1:08
